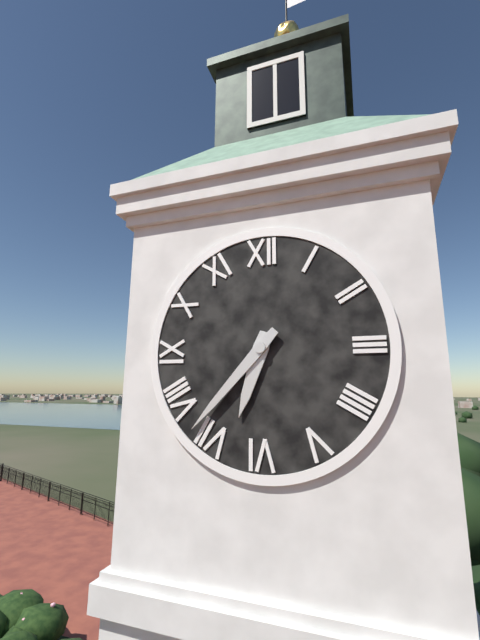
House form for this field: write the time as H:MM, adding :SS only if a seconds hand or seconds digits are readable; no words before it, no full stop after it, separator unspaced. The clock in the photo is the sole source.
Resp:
6:37
